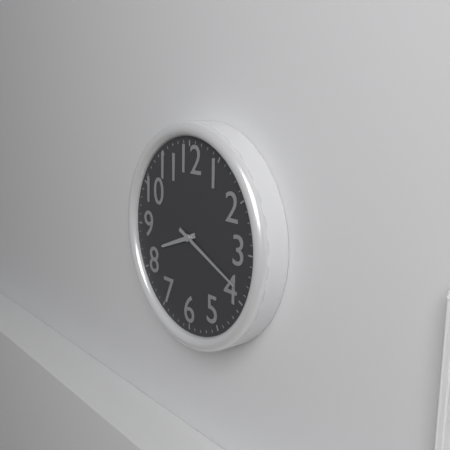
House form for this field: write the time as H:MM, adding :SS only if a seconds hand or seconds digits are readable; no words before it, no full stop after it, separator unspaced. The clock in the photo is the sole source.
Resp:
8:19
